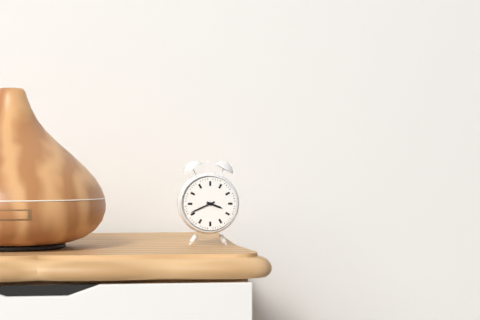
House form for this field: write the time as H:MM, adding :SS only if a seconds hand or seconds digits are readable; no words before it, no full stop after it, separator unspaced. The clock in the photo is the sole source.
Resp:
3:41
